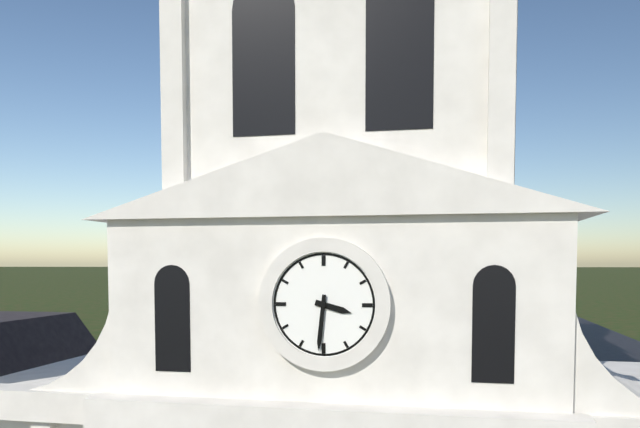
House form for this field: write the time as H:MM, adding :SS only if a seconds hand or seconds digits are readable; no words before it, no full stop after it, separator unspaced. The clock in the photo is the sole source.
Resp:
3:31
